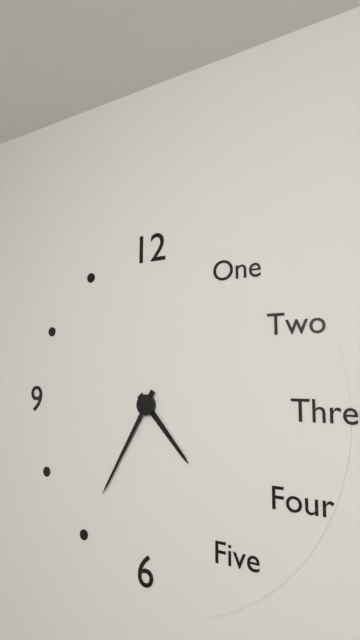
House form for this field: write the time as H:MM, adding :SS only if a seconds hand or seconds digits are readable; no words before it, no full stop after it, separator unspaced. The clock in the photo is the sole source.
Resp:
4:35
